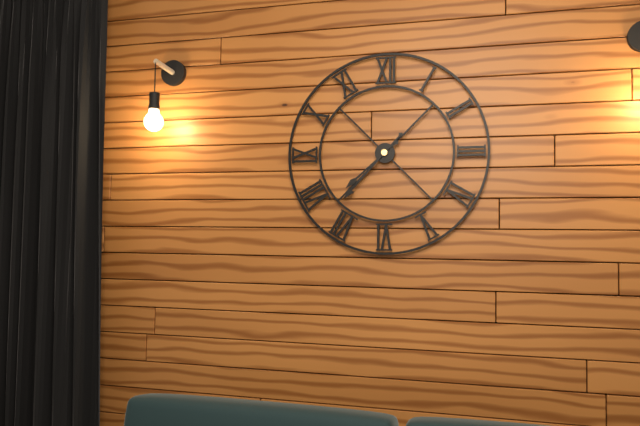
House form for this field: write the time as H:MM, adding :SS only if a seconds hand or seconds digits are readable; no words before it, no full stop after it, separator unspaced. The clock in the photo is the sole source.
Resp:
7:37
